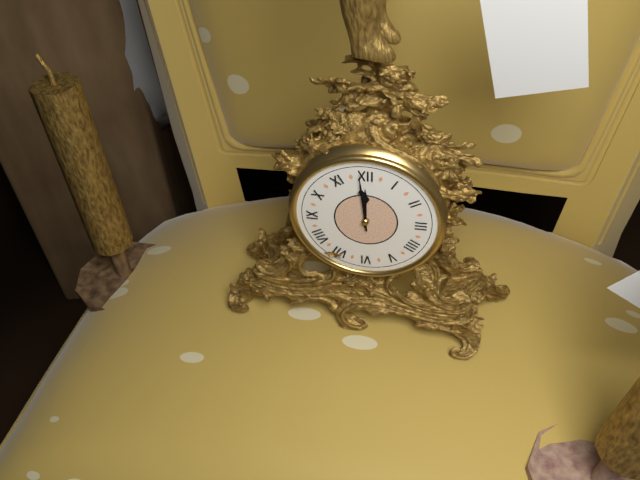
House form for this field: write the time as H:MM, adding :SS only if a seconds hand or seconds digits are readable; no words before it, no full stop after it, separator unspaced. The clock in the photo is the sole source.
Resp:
11:59
